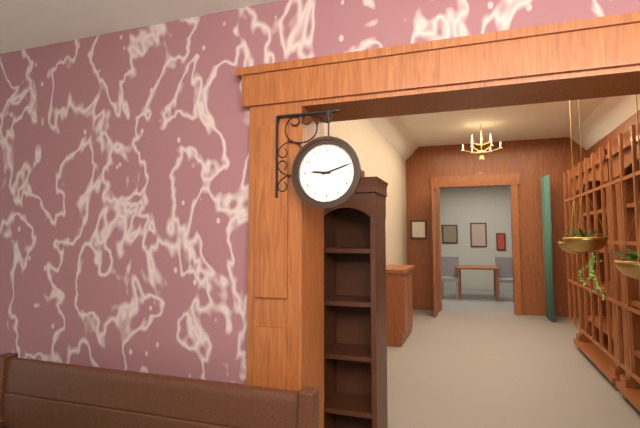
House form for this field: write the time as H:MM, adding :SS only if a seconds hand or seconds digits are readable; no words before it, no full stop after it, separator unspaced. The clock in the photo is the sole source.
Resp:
9:12
